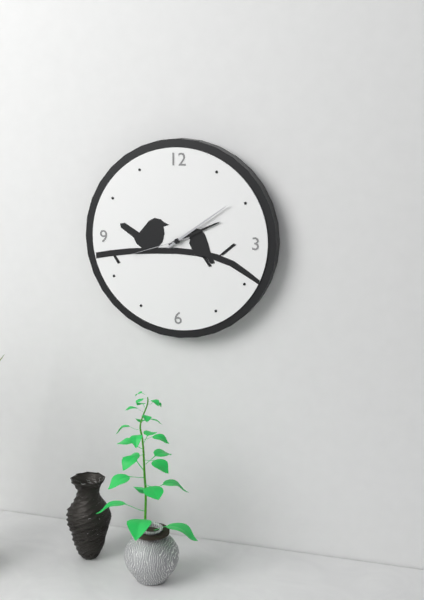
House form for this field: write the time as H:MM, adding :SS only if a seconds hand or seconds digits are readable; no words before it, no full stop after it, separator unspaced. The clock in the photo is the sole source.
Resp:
2:09:42
